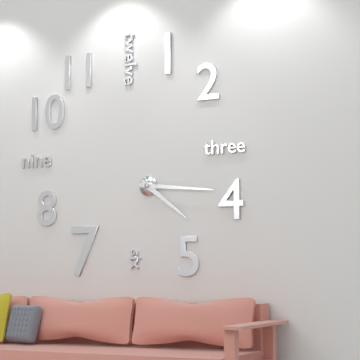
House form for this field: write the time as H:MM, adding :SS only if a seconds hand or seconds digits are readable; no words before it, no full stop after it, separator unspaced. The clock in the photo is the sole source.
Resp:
4:16
